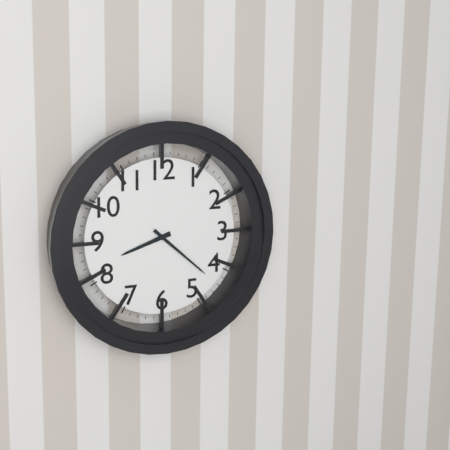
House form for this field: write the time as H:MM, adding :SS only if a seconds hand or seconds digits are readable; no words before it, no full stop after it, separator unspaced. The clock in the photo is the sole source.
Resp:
8:22
